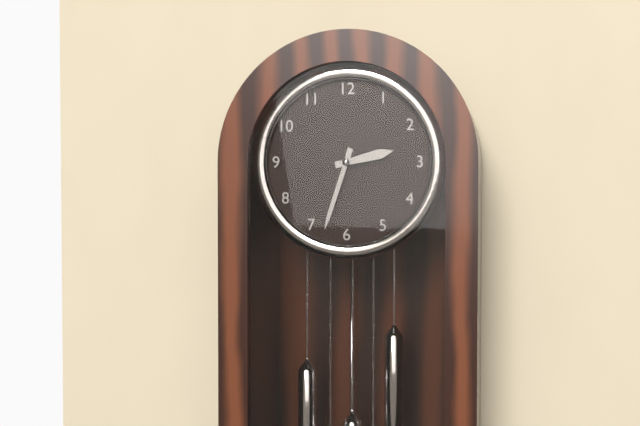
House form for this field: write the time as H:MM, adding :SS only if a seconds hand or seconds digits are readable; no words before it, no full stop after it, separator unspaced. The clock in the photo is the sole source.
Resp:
2:33
